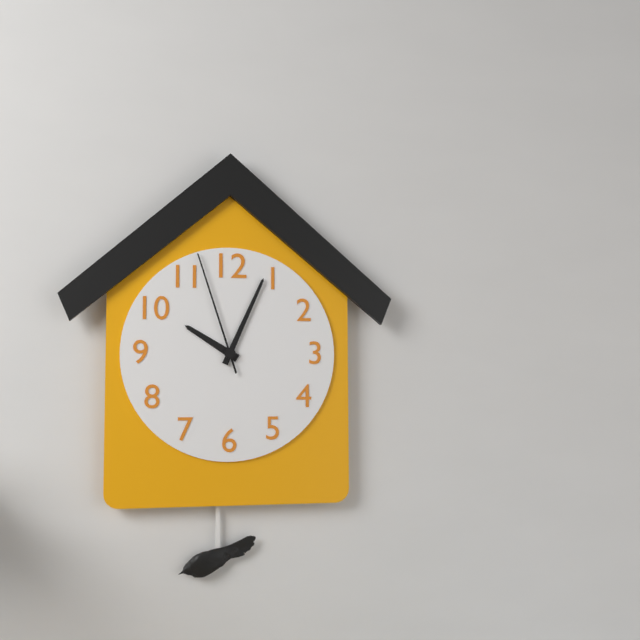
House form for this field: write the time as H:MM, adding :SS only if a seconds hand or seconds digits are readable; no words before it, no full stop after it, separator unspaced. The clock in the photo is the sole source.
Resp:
10:04:57
